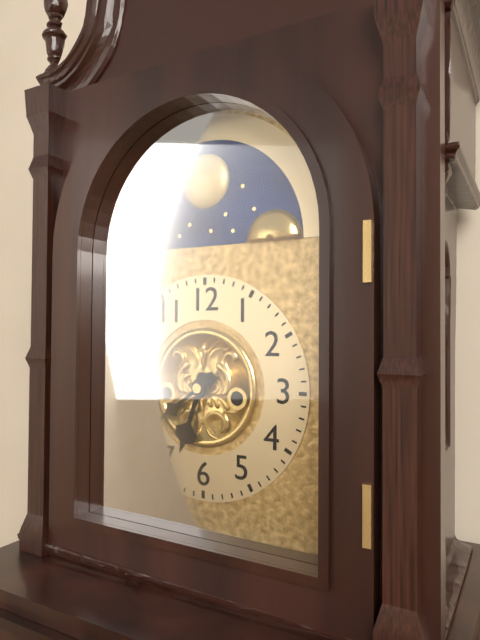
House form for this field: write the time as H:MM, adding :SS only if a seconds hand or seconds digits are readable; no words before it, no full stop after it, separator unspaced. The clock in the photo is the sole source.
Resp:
6:39
